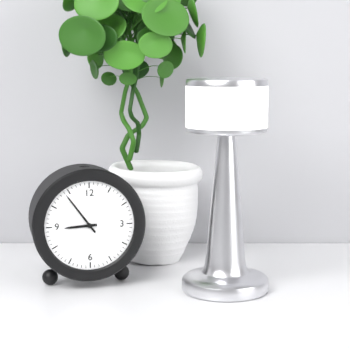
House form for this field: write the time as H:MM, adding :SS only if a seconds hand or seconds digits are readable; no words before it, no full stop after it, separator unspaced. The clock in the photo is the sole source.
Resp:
8:54
